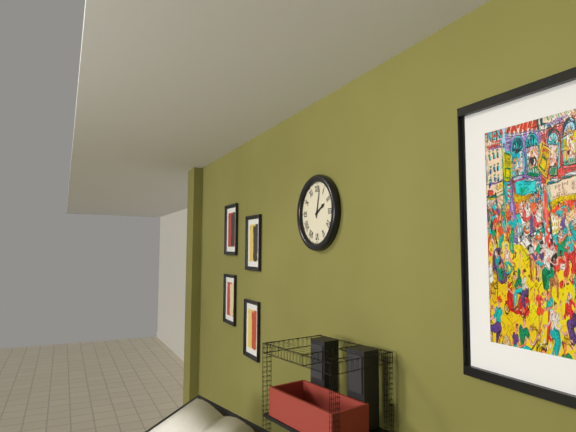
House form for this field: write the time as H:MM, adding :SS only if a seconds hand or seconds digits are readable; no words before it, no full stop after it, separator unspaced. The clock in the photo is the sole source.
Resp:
2:02
